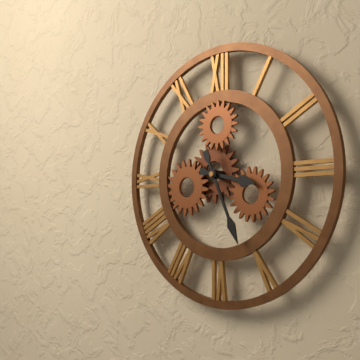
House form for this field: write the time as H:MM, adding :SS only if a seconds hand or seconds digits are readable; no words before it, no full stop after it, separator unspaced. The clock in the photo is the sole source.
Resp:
3:26
